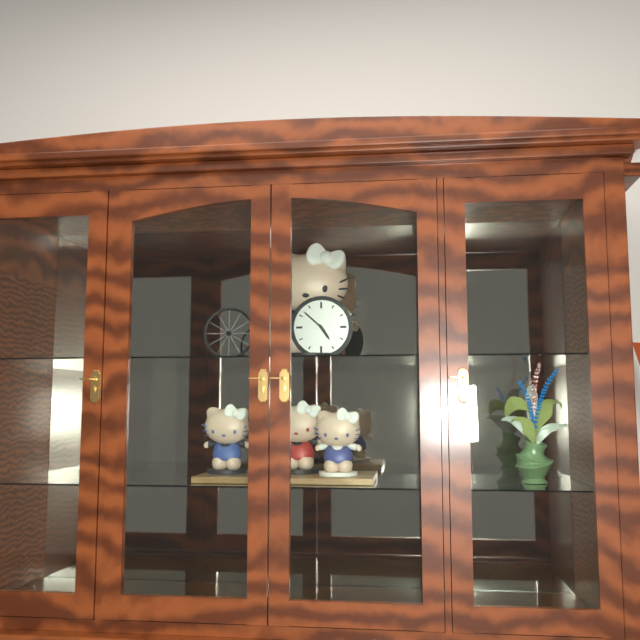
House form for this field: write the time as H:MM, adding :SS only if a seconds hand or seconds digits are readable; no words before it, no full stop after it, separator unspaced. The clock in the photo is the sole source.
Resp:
4:52
